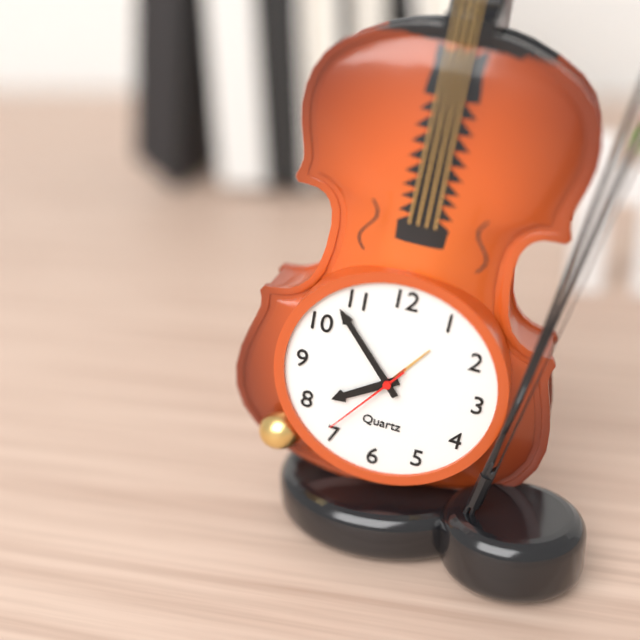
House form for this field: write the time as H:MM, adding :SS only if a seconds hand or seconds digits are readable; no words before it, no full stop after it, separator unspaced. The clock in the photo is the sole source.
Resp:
7:53:36
